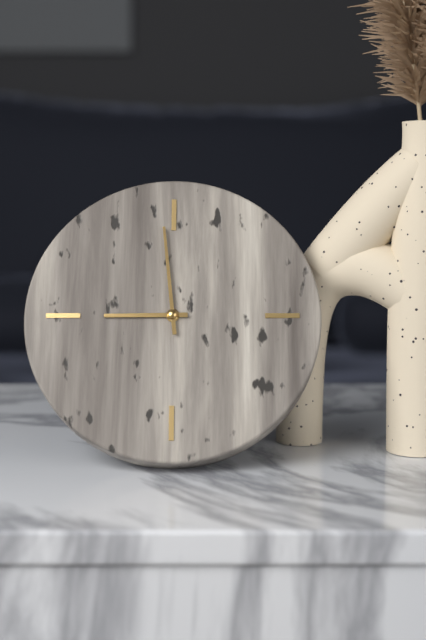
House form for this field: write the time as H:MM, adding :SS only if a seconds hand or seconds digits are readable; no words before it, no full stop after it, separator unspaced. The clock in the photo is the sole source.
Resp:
8:59
